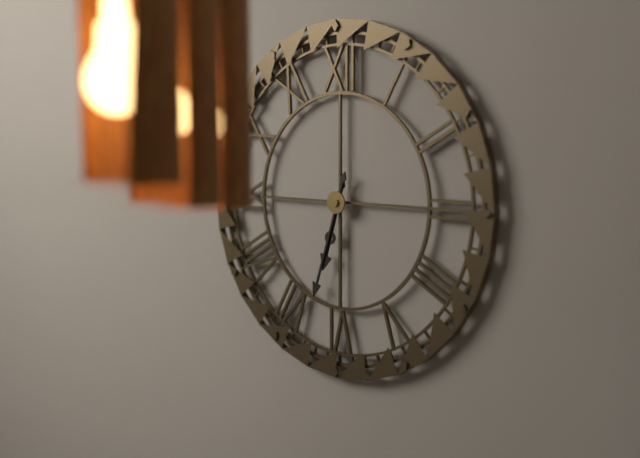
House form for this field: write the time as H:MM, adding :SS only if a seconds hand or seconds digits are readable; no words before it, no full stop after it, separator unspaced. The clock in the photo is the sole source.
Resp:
6:33
